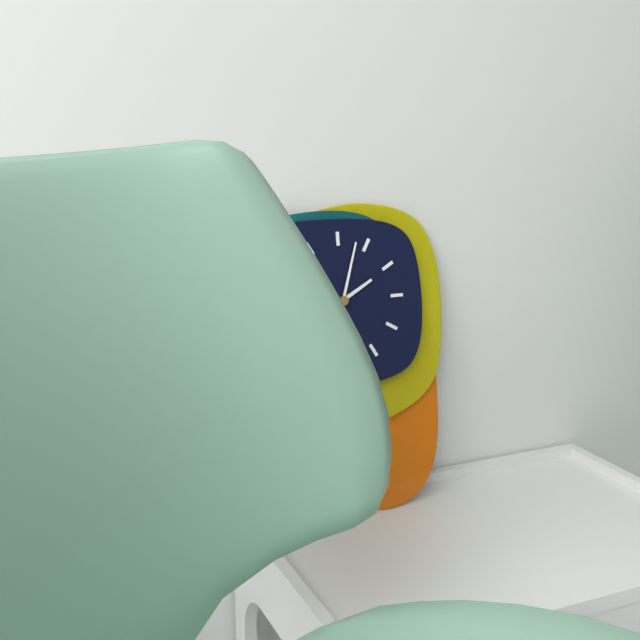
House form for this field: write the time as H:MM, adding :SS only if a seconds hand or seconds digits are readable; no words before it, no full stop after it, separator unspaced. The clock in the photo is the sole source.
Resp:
2:03
